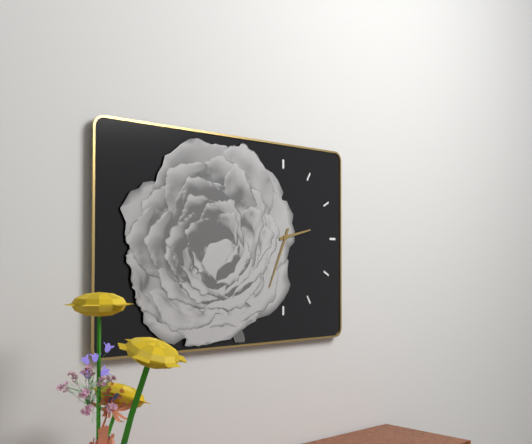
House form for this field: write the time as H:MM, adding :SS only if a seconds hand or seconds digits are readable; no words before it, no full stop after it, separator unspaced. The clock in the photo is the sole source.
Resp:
2:34
